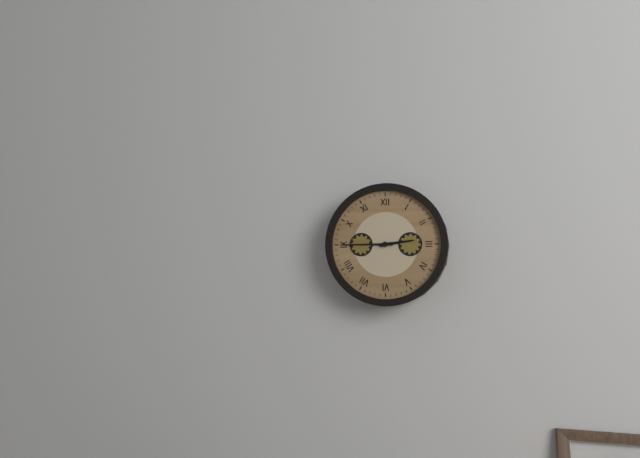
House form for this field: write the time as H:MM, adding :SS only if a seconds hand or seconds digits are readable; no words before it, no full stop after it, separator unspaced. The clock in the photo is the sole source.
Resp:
2:45
